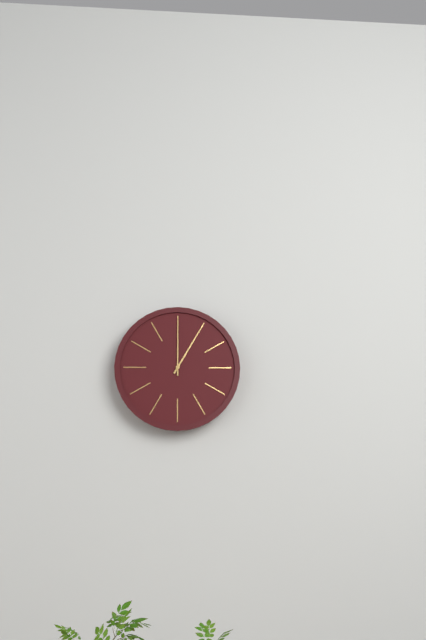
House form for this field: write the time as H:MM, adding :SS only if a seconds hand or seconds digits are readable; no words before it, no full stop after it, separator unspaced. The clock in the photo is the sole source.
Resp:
1:00
